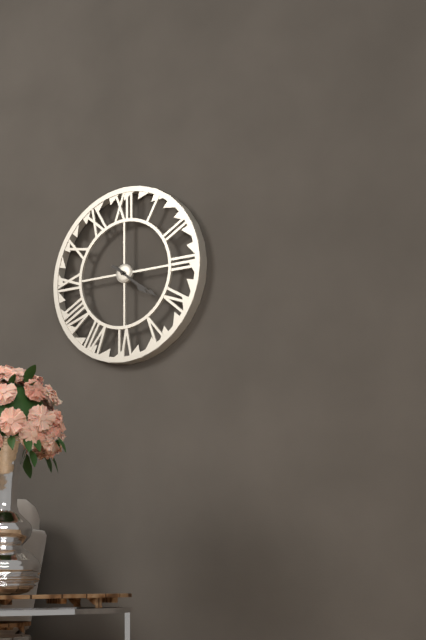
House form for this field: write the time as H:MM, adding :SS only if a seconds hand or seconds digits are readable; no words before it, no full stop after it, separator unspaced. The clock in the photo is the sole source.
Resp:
4:21
